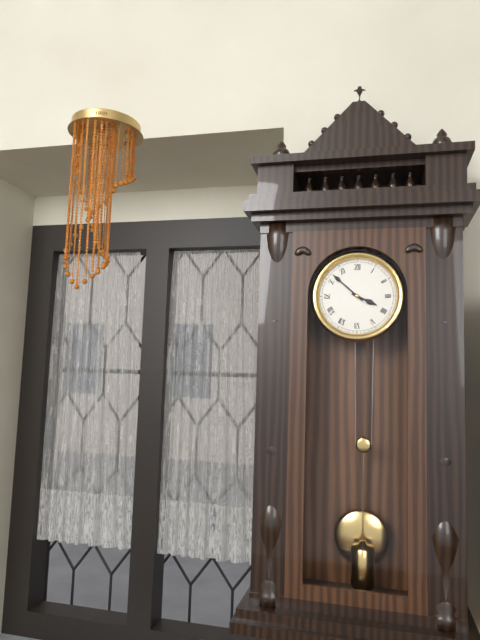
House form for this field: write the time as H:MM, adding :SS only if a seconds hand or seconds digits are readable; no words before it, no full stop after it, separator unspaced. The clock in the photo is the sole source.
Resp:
3:52
